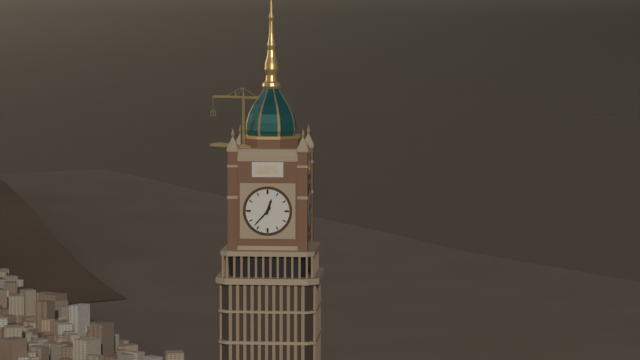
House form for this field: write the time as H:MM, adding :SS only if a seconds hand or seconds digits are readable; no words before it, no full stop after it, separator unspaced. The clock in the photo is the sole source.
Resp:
12:37
